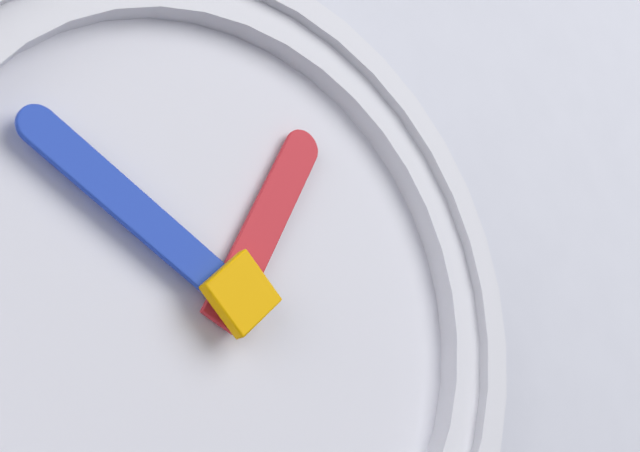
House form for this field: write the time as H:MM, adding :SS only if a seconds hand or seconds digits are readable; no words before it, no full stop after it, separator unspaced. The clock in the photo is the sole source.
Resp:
12:50
